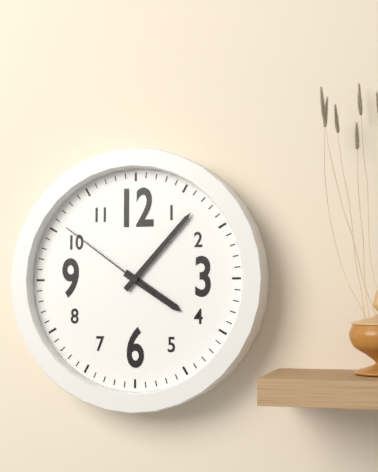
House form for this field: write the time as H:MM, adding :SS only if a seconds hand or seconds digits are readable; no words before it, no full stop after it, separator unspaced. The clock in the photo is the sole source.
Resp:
4:07:51
